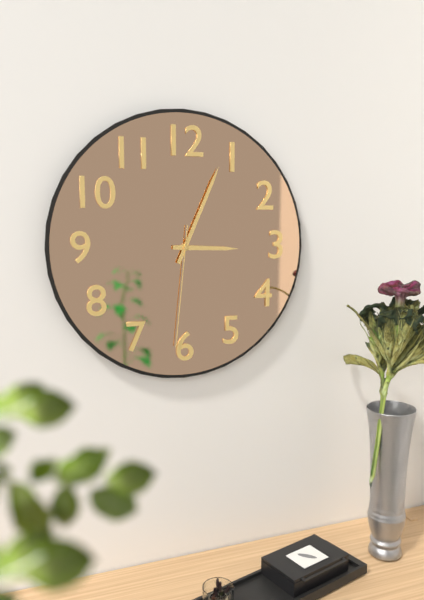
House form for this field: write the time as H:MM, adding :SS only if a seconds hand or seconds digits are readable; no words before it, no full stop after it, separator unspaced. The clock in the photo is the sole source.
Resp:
3:04:31
